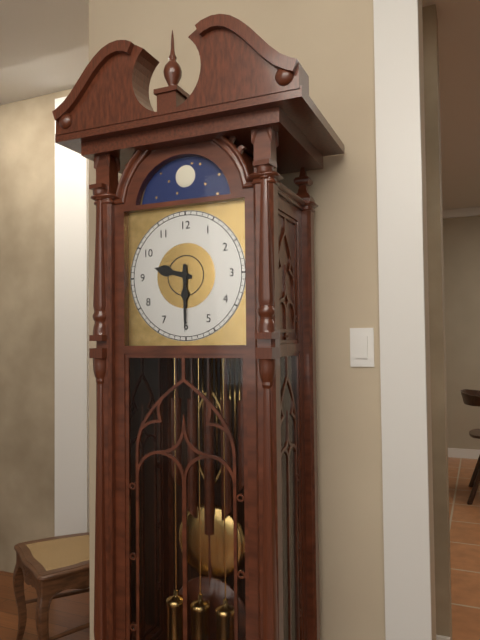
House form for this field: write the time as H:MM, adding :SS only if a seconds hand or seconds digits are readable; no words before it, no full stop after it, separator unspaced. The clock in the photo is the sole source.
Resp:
9:30
